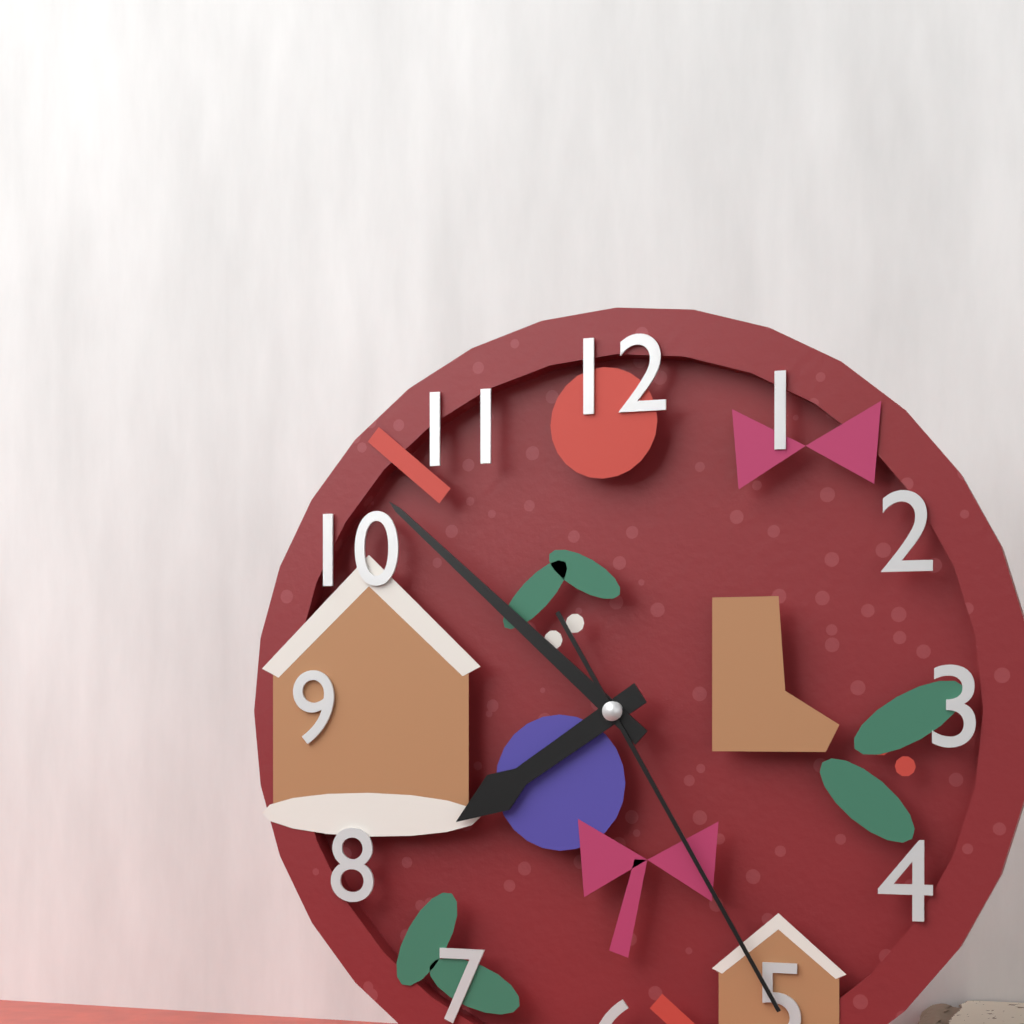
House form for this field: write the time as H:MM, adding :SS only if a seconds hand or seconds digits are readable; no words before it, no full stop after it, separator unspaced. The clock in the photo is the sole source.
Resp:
7:52:25
